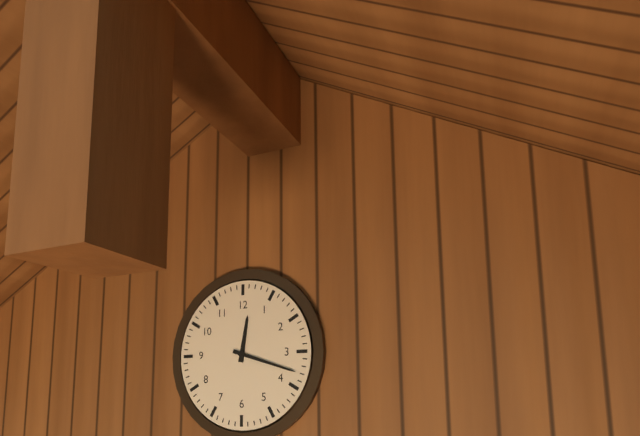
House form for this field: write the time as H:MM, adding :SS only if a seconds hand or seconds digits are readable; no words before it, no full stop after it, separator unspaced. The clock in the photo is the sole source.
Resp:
12:18
